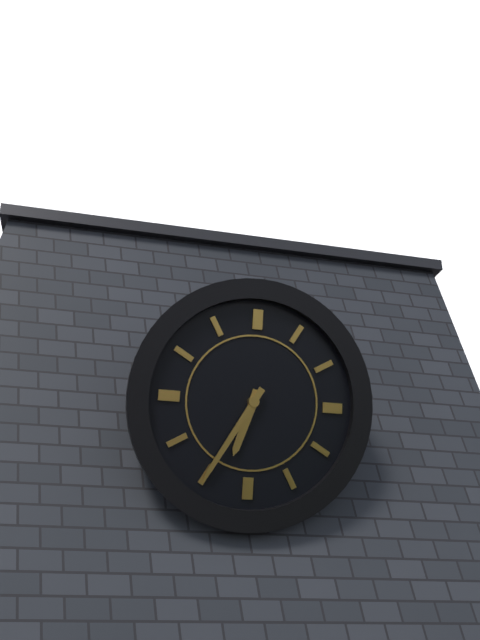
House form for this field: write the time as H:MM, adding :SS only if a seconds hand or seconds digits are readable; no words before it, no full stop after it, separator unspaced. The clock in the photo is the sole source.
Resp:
6:35
